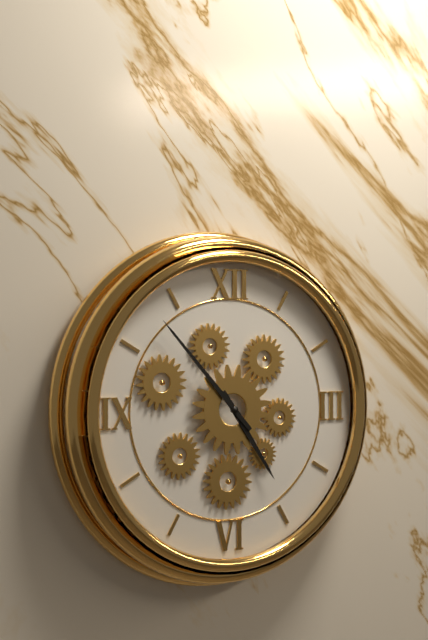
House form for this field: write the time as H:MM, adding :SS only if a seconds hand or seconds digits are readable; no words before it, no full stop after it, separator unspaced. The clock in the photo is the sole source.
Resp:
4:53
